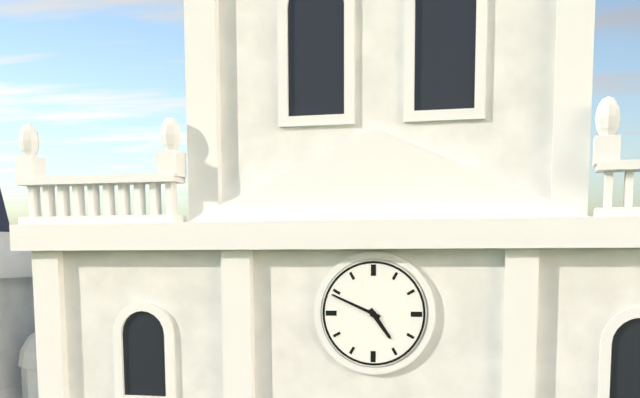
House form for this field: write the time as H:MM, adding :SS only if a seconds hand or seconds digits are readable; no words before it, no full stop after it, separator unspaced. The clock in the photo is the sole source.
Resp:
4:49
